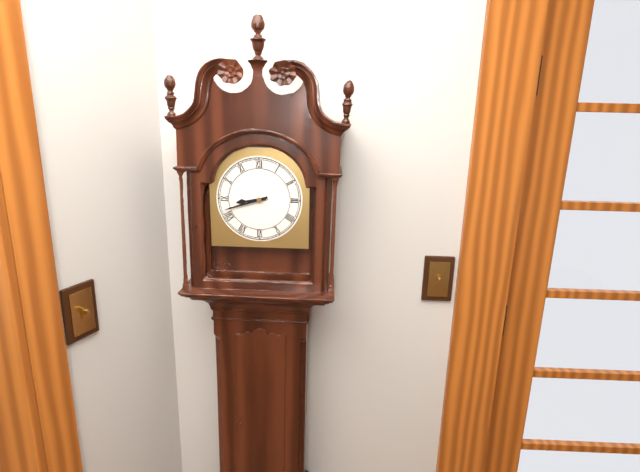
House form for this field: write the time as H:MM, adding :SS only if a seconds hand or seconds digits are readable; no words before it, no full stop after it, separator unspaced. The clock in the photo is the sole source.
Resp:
8:42
